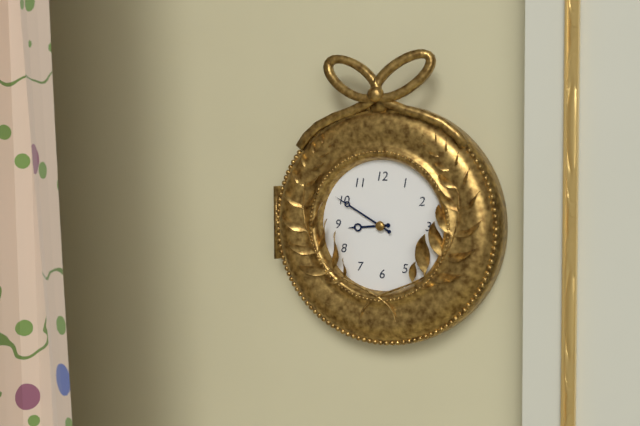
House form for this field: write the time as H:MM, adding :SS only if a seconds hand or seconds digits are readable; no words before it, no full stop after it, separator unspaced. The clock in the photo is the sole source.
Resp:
8:50
